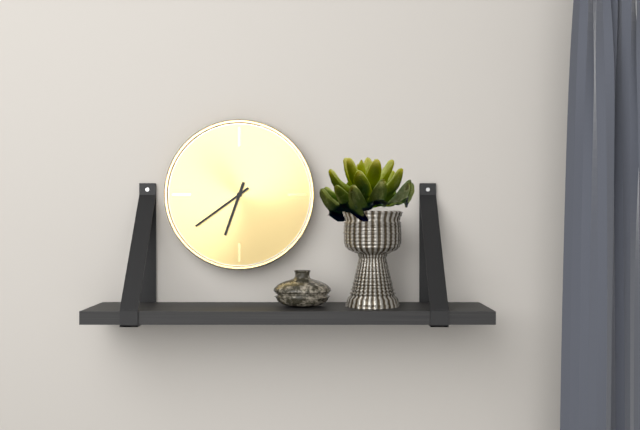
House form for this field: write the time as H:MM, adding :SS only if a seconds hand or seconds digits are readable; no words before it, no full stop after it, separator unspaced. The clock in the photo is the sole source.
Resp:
6:39
